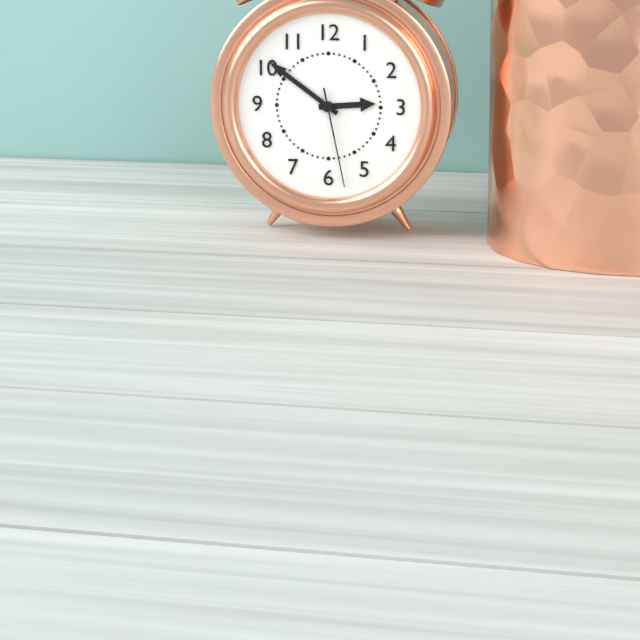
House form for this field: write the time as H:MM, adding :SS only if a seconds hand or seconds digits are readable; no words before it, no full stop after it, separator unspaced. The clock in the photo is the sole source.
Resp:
2:51:28
